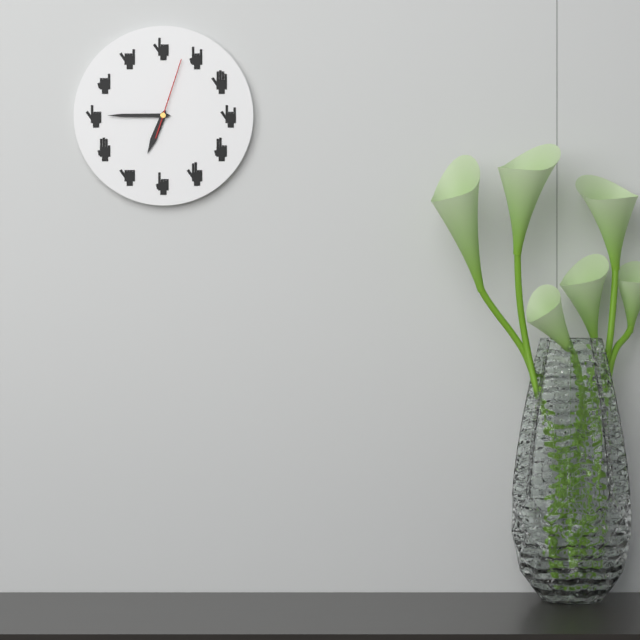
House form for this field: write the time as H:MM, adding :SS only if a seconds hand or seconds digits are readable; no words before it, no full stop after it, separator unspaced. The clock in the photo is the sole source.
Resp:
6:45:03
